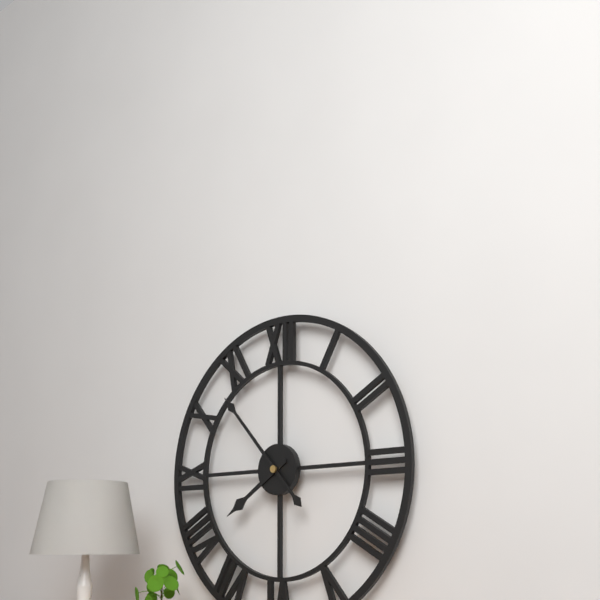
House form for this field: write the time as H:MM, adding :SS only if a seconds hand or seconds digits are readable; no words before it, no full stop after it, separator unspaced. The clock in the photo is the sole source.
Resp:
7:53
